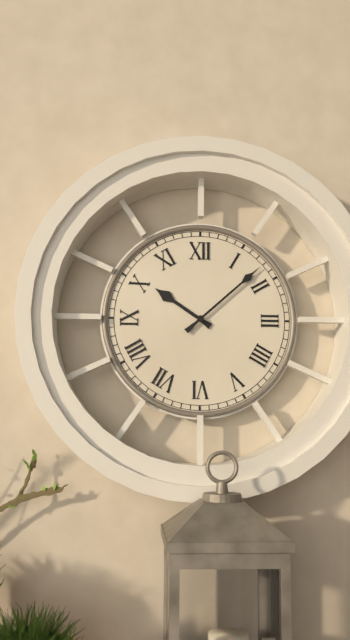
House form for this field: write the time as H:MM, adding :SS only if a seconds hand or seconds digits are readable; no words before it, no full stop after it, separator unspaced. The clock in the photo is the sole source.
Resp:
10:08
